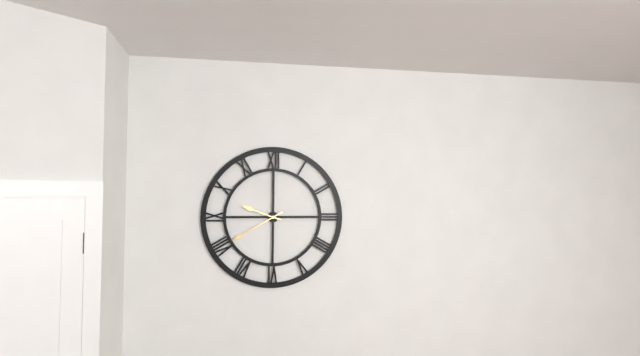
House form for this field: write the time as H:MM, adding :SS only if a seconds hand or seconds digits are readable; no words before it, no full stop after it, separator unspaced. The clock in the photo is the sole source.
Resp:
9:40
